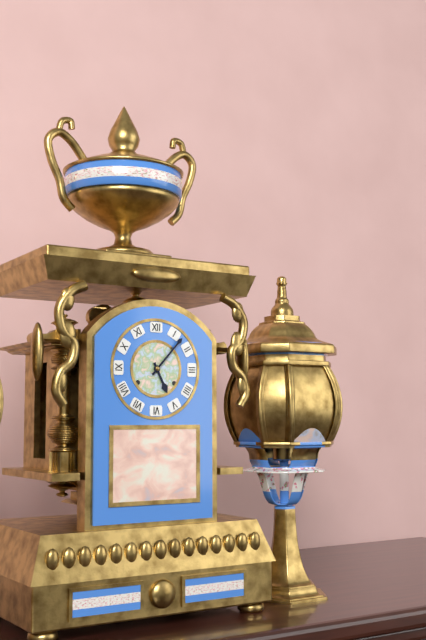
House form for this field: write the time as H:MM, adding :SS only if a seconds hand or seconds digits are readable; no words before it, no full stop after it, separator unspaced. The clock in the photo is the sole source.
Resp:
5:07
